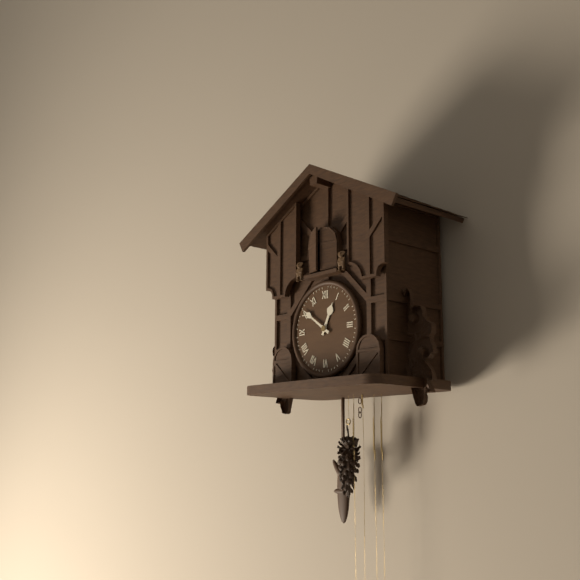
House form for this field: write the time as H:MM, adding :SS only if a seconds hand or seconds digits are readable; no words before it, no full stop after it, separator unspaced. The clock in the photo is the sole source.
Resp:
12:51
